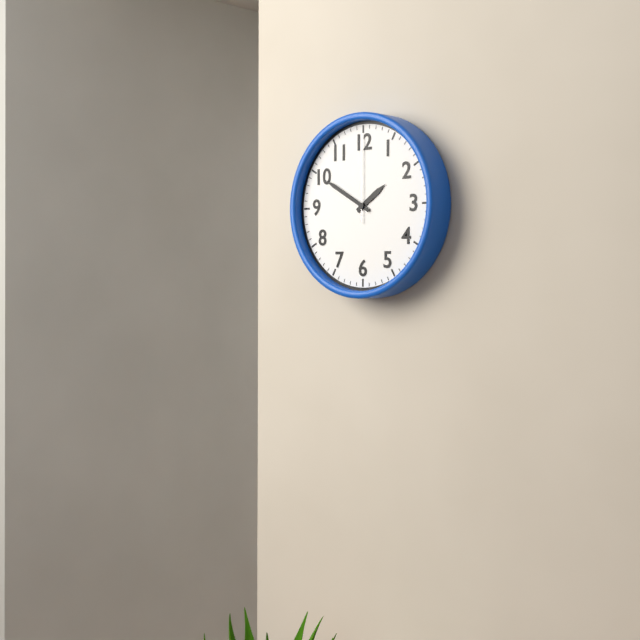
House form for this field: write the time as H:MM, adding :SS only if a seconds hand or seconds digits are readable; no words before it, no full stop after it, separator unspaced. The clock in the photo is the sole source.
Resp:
1:50:00
